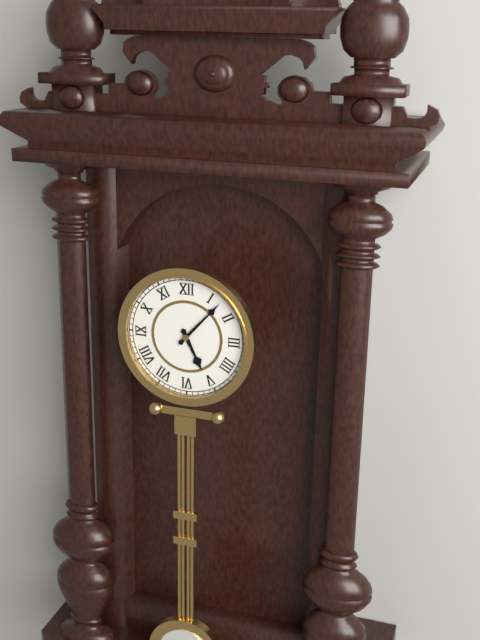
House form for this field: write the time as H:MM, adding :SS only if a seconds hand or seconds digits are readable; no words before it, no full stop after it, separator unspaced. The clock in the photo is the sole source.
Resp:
5:07
